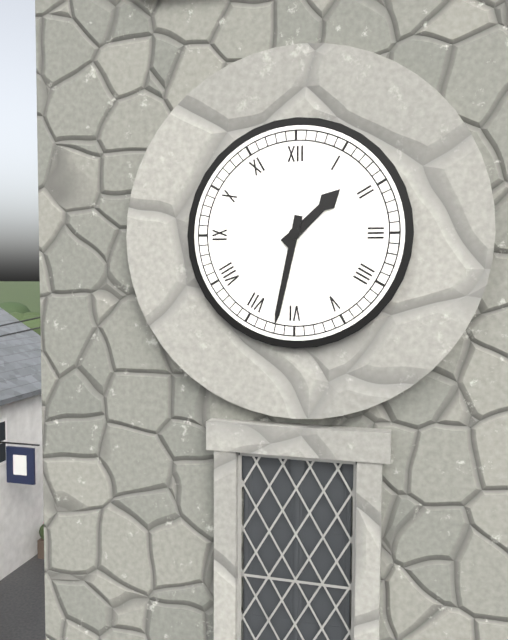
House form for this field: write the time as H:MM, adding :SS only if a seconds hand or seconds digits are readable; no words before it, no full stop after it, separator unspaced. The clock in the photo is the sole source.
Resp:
1:32
